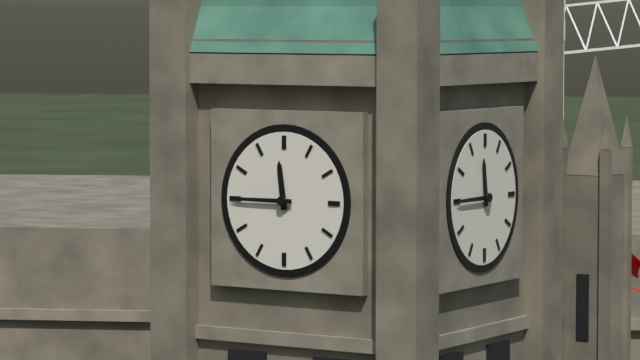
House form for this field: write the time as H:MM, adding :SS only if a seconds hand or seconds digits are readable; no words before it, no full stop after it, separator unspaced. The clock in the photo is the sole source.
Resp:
11:45
